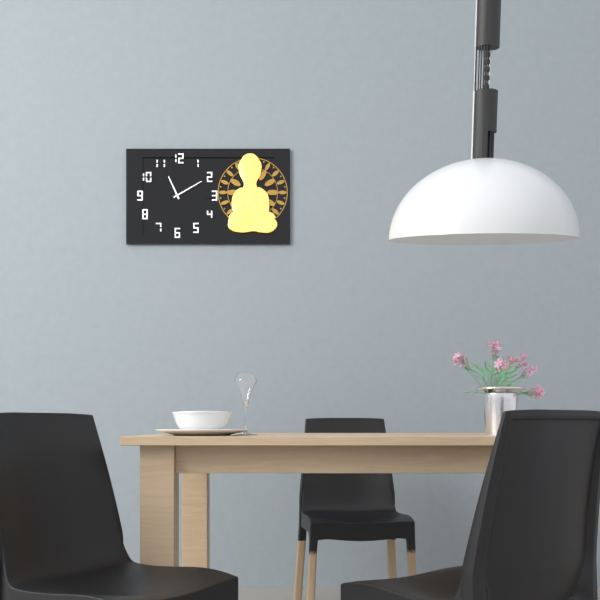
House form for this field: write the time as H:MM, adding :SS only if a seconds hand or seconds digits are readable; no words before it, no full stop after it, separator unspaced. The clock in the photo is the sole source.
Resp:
11:10
